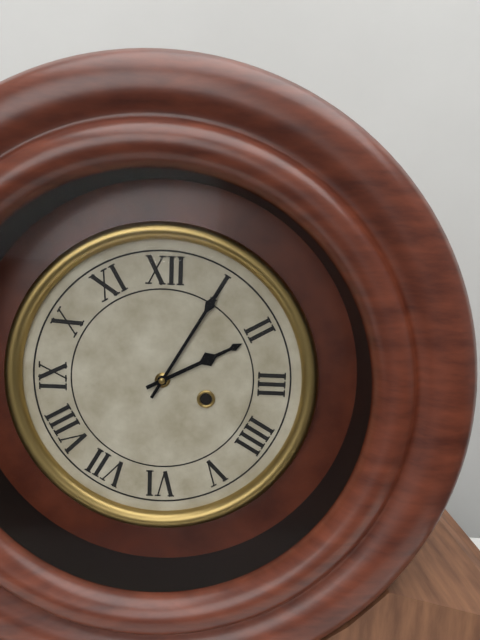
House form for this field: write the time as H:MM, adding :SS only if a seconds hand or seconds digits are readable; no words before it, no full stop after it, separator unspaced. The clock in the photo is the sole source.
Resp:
2:05
